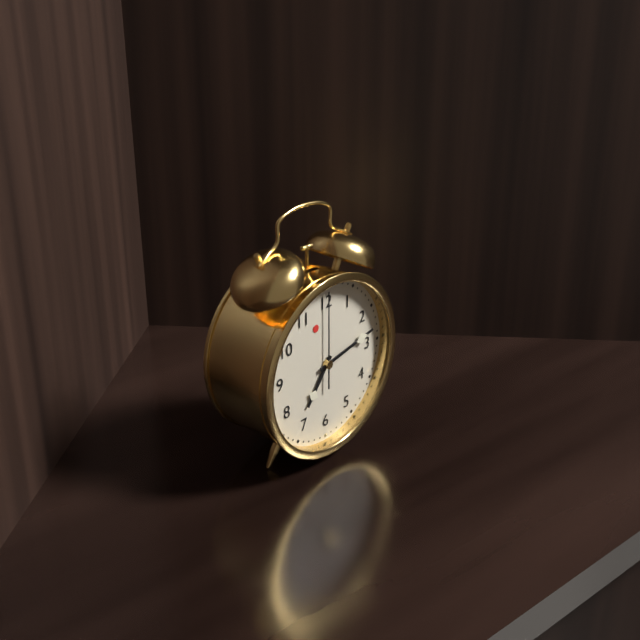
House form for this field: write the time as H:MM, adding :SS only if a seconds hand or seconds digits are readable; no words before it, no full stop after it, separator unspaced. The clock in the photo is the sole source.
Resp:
7:13:00
